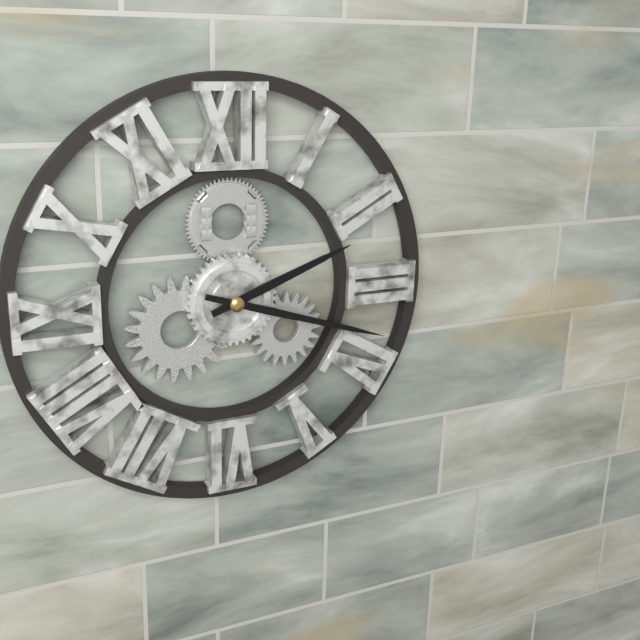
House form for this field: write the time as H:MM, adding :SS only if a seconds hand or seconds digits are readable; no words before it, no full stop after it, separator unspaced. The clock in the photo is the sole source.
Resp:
2:18
